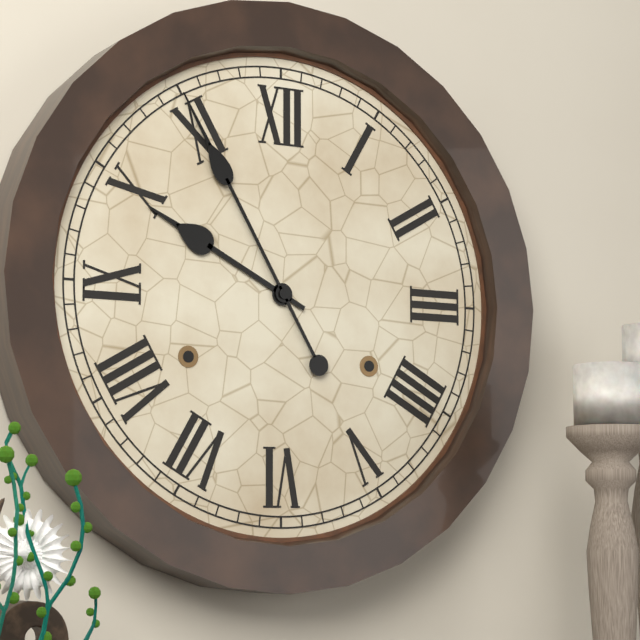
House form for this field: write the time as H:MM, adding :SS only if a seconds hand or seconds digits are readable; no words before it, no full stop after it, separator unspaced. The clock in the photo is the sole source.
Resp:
9:55
